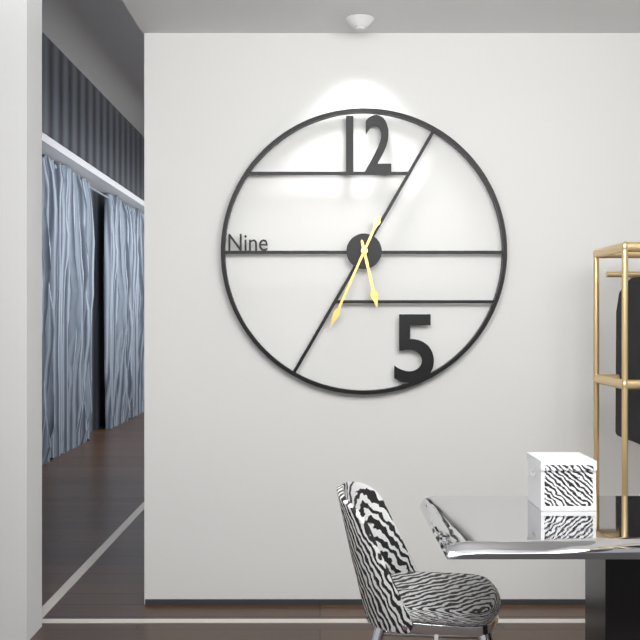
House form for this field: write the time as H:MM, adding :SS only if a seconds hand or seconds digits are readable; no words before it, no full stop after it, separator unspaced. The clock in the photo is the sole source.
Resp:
5:34
